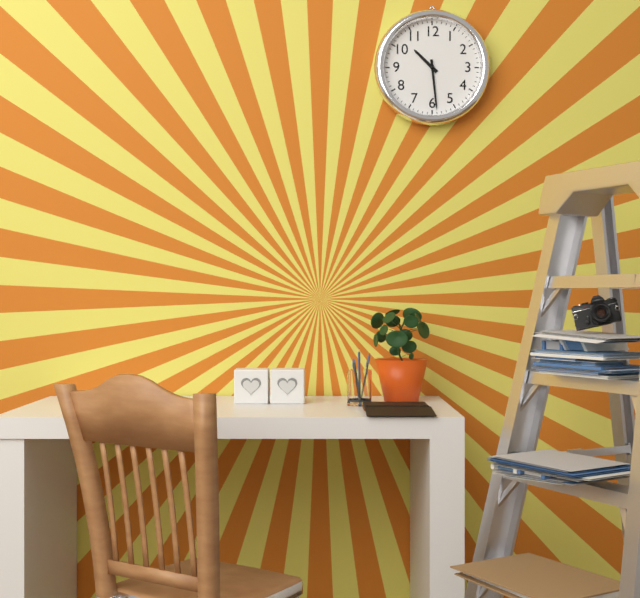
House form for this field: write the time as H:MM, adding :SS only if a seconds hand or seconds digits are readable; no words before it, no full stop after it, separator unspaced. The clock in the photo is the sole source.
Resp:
10:29
